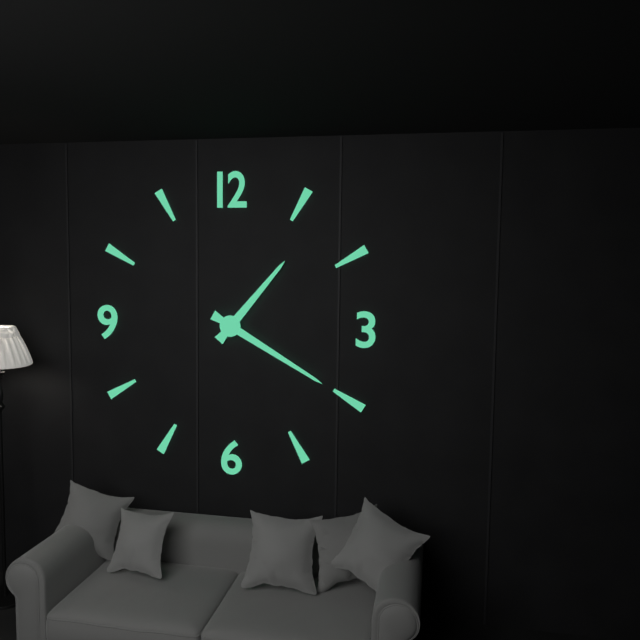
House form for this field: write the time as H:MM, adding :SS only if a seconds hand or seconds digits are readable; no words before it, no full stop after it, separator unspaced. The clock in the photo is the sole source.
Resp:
1:20
